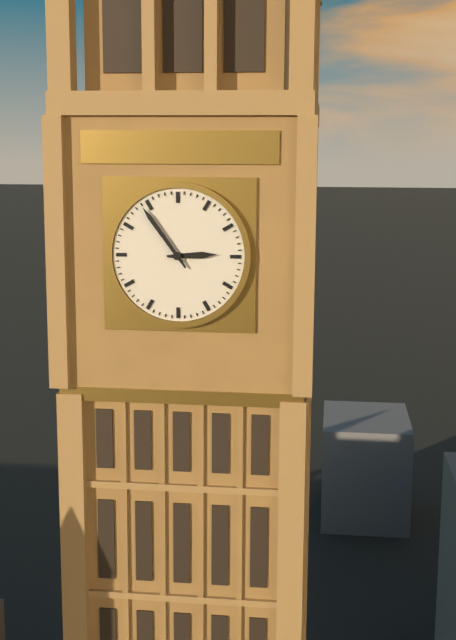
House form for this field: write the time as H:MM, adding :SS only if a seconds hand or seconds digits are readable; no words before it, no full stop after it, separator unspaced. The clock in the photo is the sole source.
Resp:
2:54
